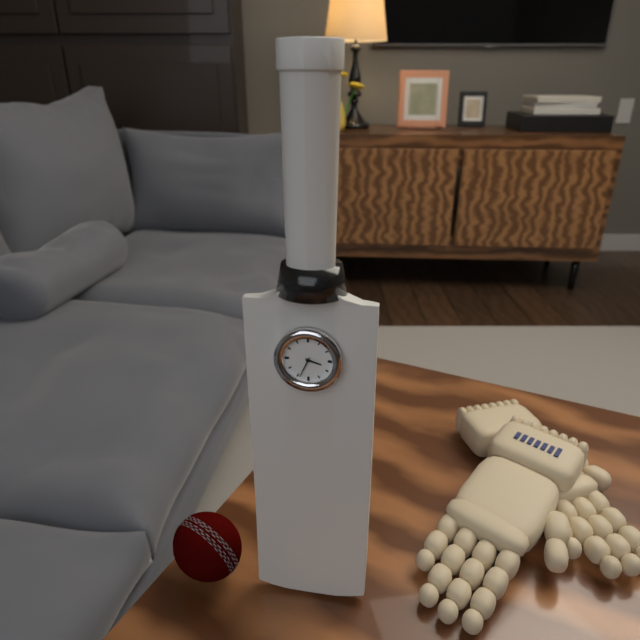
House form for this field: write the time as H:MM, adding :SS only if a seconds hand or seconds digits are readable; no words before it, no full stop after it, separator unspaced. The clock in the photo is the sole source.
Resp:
3:34
